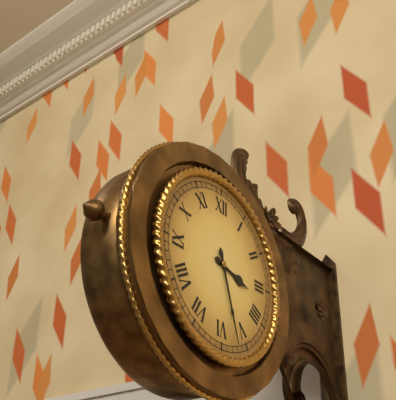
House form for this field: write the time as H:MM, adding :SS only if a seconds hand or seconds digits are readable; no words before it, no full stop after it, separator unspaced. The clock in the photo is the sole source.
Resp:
3:27
